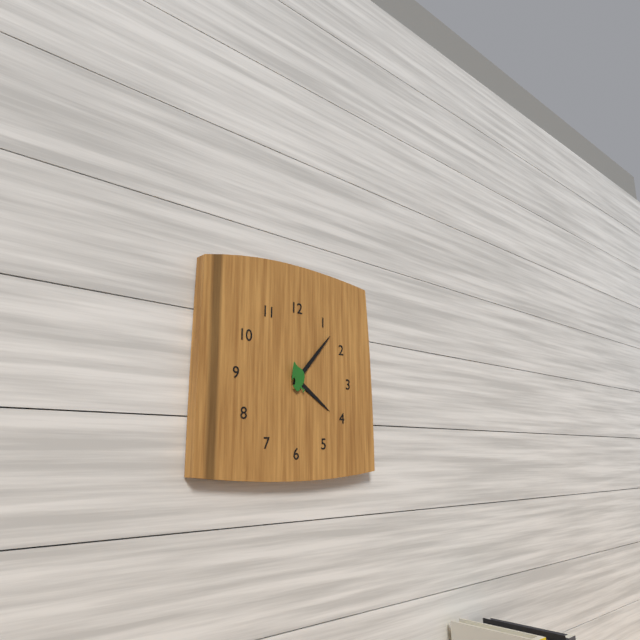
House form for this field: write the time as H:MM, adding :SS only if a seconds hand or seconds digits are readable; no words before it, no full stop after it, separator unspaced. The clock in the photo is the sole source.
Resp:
4:07
